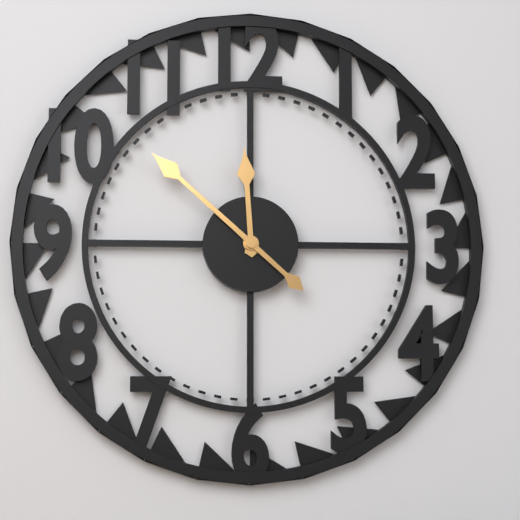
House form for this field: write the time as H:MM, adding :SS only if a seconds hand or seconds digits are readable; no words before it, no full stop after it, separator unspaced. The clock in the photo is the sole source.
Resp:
11:52
